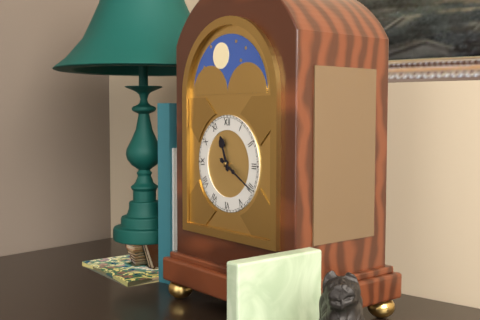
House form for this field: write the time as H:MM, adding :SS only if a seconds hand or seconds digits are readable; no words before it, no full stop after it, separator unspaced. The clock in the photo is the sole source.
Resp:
11:20
